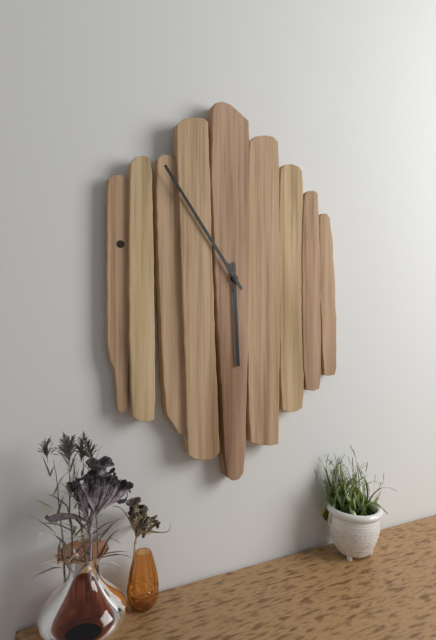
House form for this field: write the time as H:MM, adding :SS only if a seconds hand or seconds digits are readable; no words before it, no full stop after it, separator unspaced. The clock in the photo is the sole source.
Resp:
5:54
